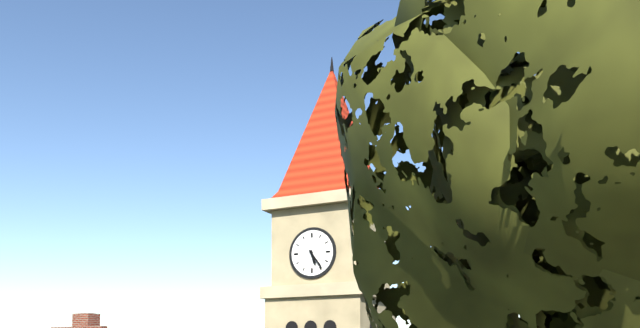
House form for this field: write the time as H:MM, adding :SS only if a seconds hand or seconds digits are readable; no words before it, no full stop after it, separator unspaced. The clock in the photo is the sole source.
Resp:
5:24
